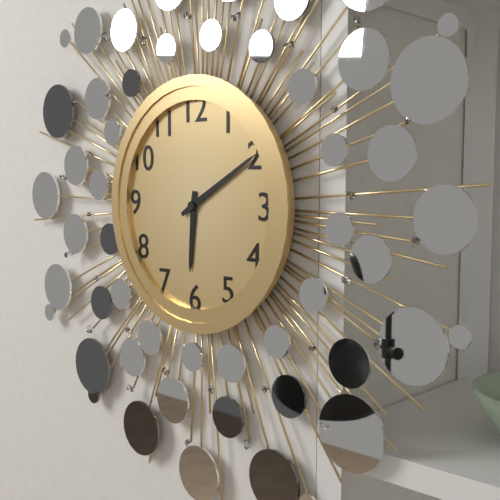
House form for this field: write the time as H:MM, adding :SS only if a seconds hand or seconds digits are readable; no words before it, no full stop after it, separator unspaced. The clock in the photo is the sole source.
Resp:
6:10
